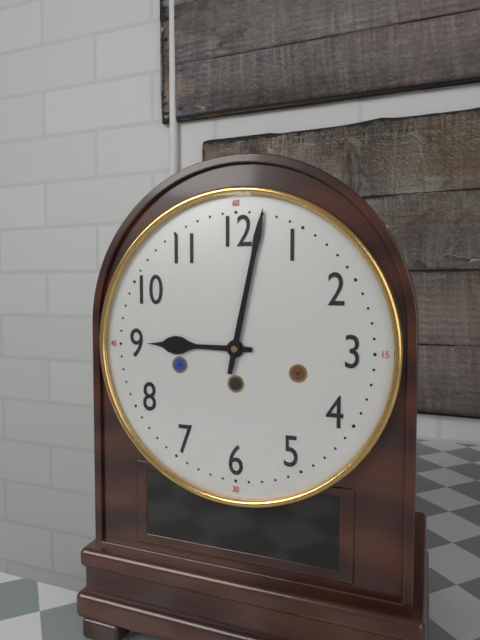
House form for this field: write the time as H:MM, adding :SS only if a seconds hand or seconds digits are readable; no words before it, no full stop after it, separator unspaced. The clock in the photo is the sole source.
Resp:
9:02
